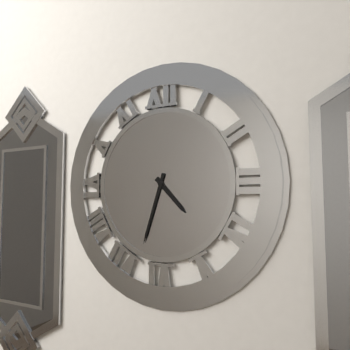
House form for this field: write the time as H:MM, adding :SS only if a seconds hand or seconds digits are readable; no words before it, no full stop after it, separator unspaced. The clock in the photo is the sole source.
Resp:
4:33
